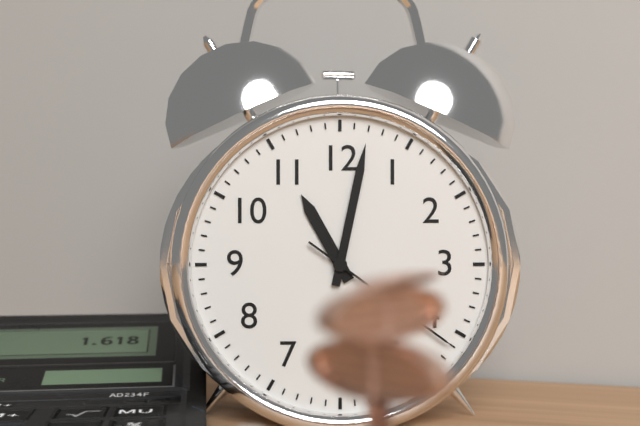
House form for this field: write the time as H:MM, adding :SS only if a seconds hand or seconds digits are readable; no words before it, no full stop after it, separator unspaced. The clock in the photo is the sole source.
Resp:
11:02:21
